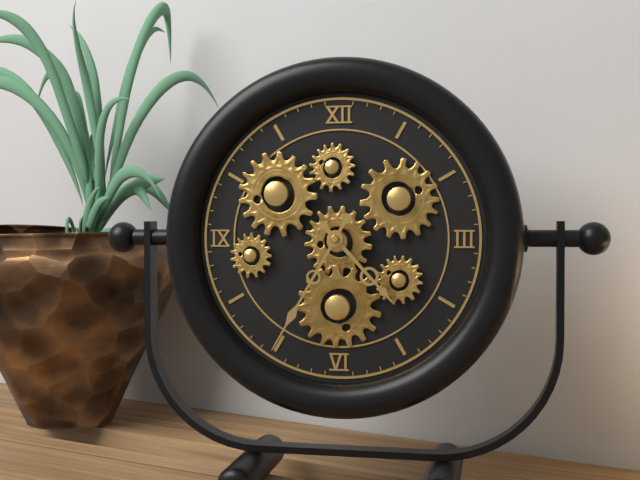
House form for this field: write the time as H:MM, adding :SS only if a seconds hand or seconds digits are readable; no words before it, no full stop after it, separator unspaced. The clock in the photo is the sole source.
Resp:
4:35
